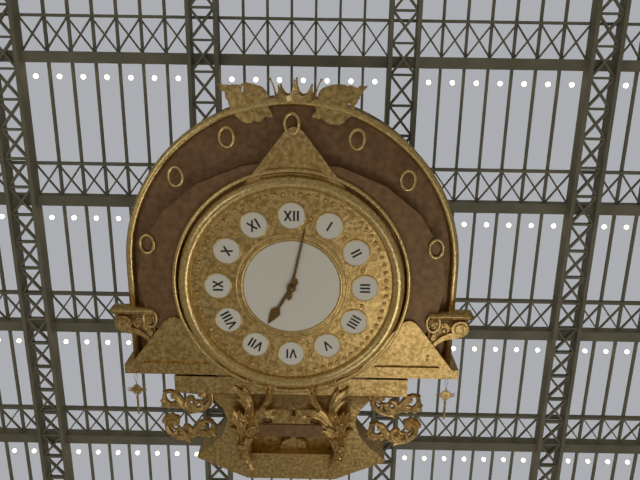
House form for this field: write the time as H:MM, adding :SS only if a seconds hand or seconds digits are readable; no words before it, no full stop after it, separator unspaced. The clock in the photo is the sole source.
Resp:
7:02
